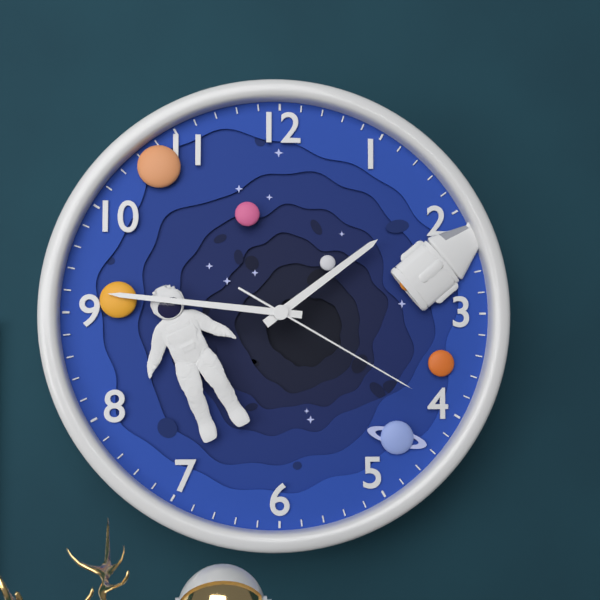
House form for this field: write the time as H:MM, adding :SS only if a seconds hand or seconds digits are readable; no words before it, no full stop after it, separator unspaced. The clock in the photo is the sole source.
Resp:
1:46:20
